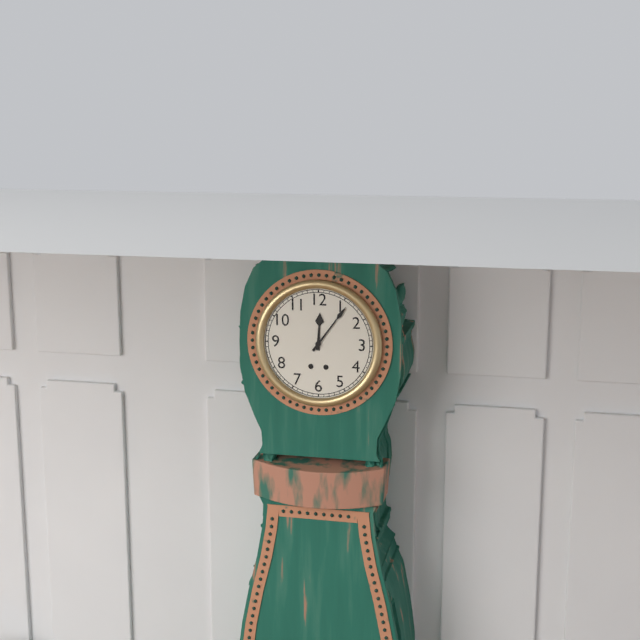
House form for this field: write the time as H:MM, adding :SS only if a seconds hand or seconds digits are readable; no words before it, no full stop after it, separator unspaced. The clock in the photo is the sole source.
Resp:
12:06
